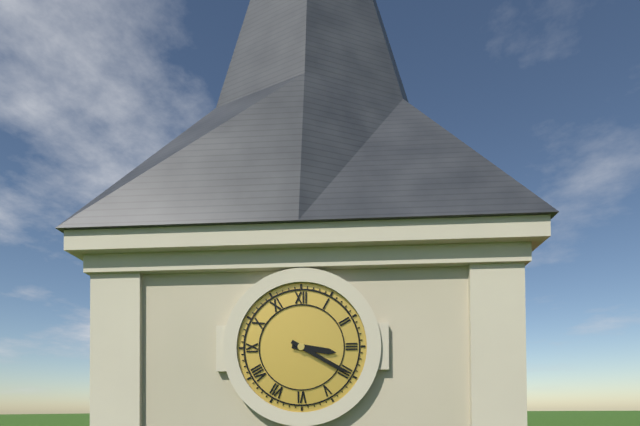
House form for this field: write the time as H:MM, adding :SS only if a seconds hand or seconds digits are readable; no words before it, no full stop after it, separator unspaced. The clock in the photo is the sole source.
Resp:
3:20
